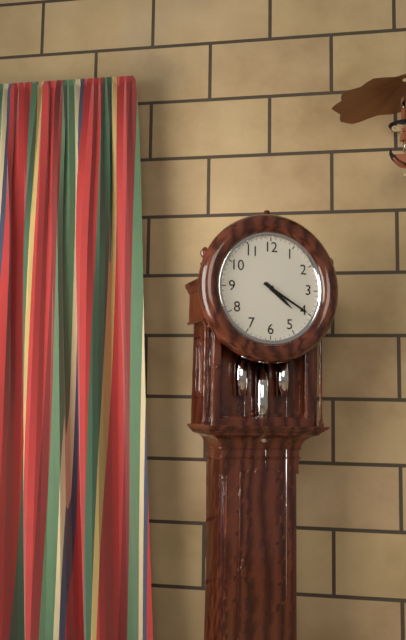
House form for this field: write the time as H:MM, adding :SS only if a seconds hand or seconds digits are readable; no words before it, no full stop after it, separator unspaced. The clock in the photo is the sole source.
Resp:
4:20
